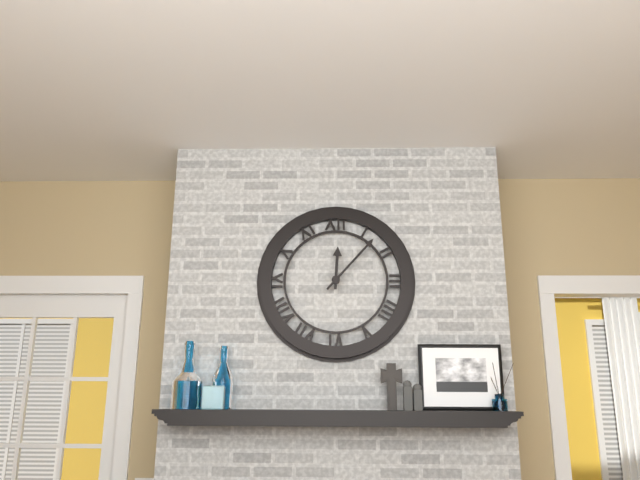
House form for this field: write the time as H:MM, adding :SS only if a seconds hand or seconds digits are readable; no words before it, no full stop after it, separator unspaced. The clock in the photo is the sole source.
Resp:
12:07
